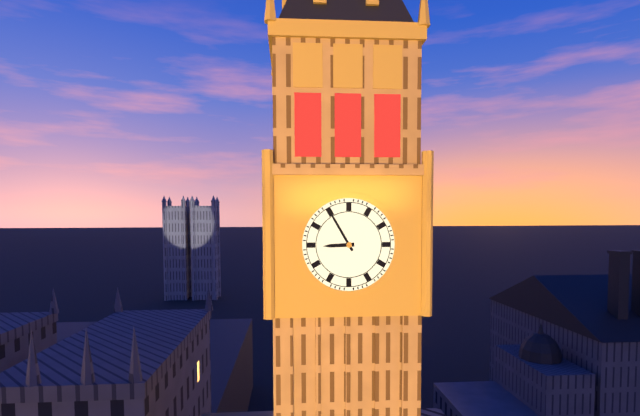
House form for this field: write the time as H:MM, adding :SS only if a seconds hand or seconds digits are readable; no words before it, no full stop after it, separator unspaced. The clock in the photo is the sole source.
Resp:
8:55
